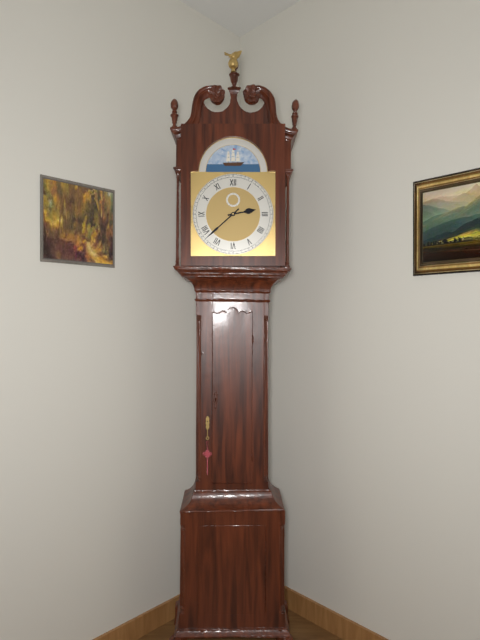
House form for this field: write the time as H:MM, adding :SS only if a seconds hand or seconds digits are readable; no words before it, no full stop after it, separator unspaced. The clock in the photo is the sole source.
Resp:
2:38
